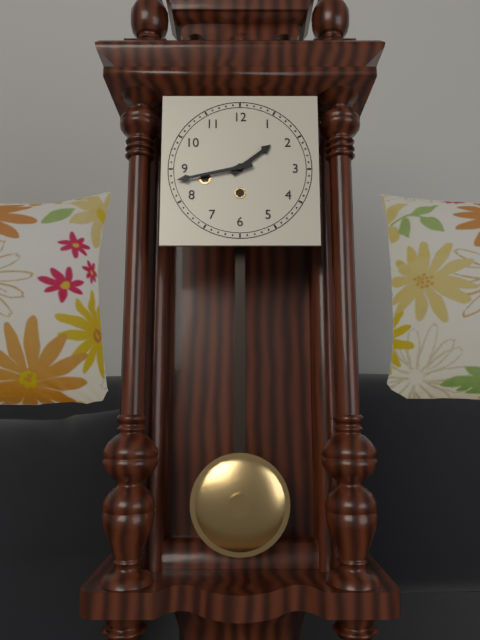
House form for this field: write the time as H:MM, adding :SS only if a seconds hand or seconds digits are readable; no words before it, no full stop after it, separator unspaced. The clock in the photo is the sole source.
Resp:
1:43
